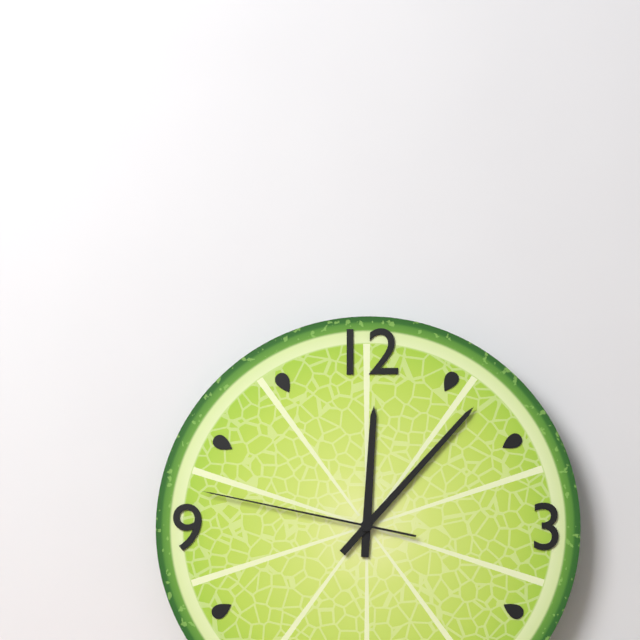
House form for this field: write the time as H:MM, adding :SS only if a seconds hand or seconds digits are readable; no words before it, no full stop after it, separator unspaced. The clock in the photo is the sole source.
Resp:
12:07:47
